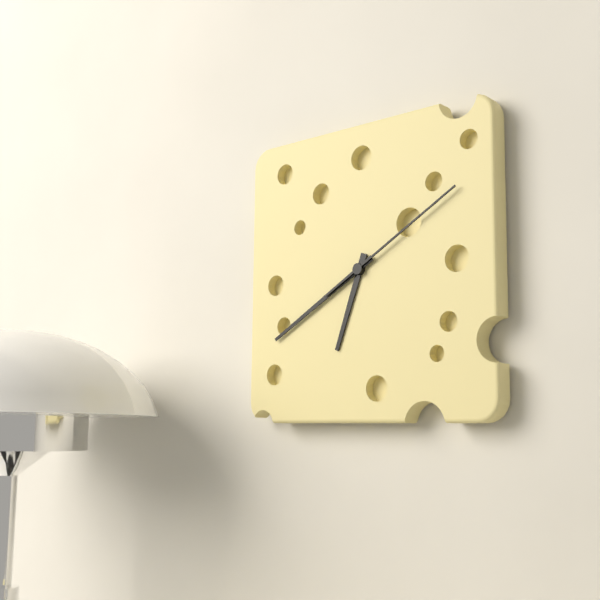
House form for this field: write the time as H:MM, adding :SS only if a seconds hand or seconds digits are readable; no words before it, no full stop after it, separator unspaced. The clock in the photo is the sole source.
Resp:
6:40:10
